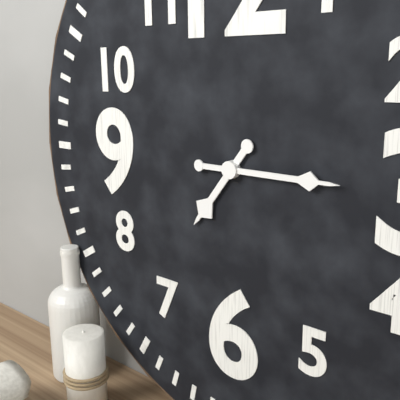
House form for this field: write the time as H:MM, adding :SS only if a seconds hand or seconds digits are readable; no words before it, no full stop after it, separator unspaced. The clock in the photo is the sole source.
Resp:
7:15
